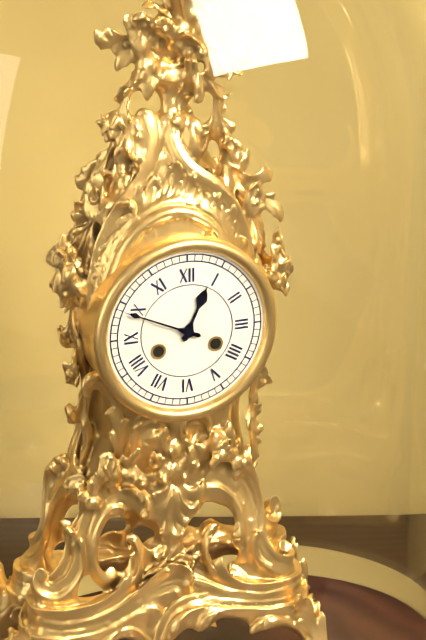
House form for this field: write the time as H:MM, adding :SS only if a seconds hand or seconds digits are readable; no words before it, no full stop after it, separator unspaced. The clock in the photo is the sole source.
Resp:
12:49
